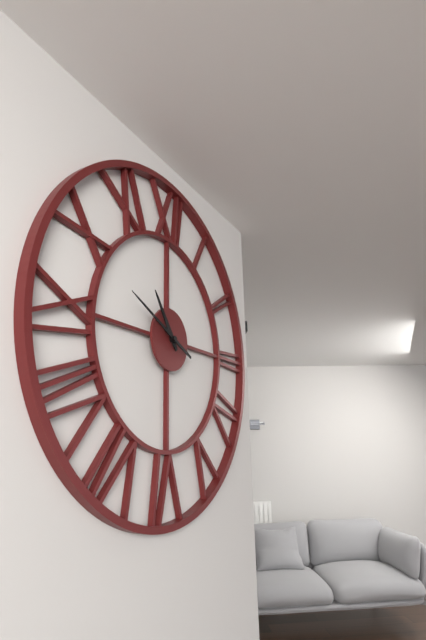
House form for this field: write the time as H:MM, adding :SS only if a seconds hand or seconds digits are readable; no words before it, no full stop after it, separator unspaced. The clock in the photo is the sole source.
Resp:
10:49
